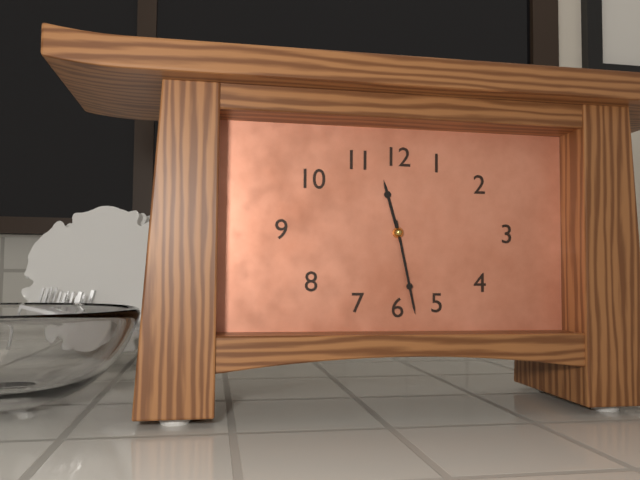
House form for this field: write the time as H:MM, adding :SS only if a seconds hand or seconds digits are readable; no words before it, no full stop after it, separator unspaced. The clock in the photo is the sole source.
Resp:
11:28
